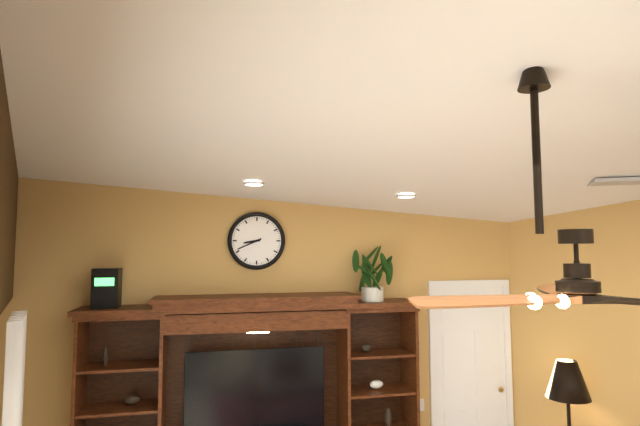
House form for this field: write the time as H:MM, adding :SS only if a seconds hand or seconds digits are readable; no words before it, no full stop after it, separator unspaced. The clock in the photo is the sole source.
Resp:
8:41
